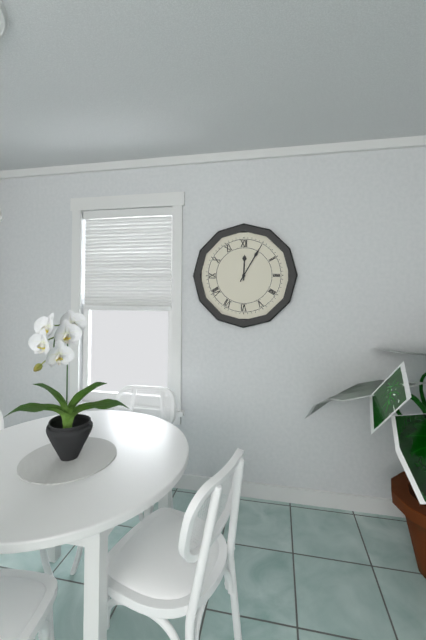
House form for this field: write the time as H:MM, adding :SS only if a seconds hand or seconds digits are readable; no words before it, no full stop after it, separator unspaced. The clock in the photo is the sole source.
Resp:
12:05
